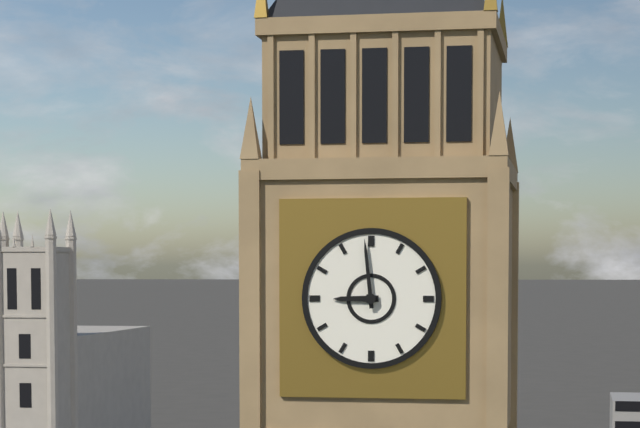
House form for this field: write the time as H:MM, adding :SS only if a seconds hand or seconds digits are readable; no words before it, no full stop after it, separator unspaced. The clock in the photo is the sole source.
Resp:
8:59
